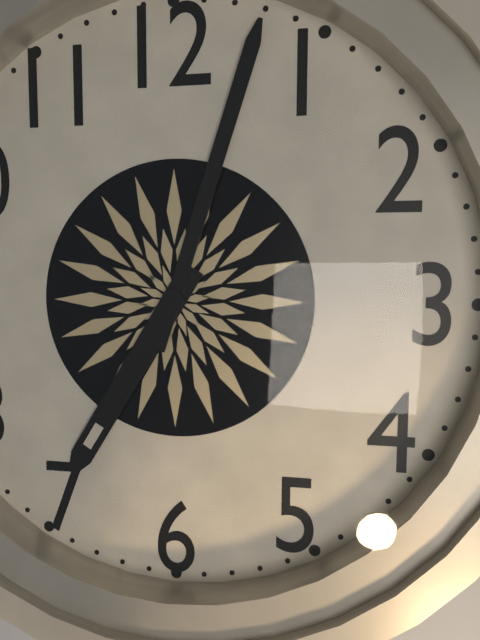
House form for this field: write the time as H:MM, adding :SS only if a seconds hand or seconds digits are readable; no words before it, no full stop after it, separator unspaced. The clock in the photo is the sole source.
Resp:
7:03
